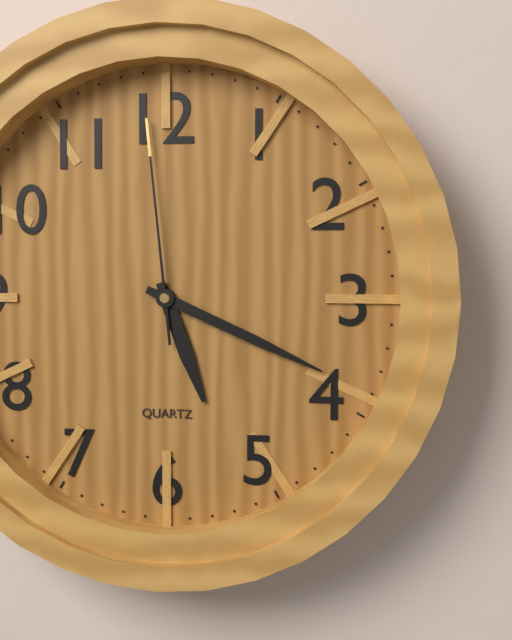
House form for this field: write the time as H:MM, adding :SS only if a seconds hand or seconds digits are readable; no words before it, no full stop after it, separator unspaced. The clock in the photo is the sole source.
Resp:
5:19:59
